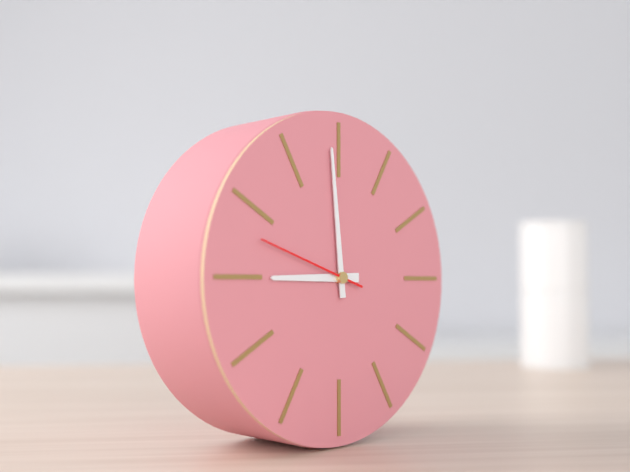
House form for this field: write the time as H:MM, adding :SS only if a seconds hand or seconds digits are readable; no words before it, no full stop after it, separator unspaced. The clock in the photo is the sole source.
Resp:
8:59:48
